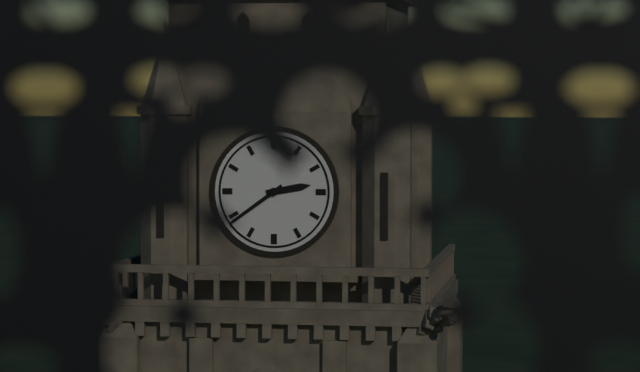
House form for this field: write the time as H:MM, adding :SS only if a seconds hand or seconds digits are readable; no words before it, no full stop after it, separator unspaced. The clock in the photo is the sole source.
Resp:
2:39
